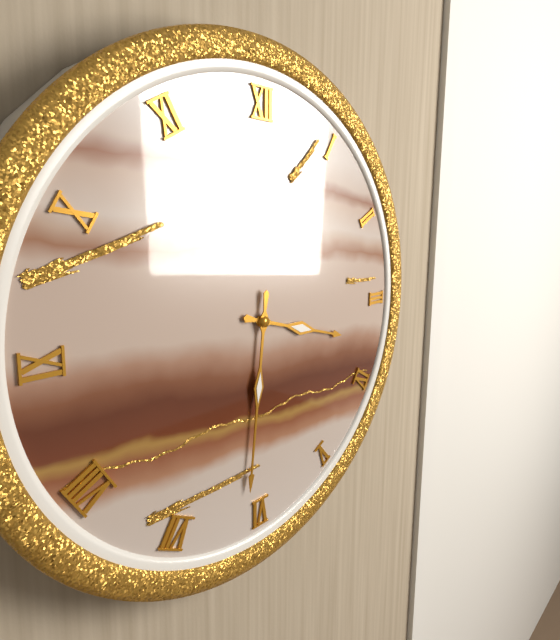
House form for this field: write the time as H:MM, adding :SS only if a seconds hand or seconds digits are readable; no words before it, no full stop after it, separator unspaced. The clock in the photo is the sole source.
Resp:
3:31
